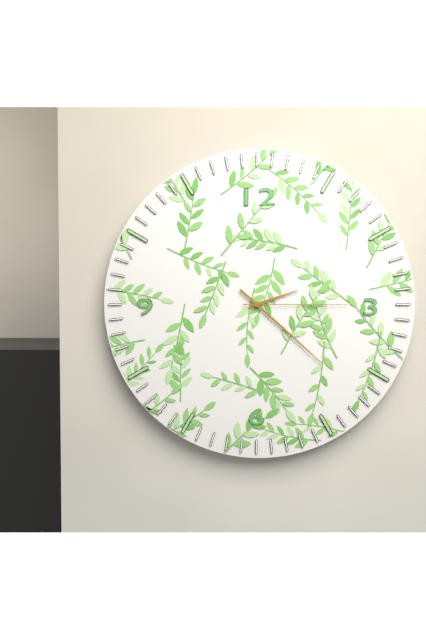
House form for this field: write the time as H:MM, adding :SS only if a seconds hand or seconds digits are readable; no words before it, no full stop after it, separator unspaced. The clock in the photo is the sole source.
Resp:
2:22:15
